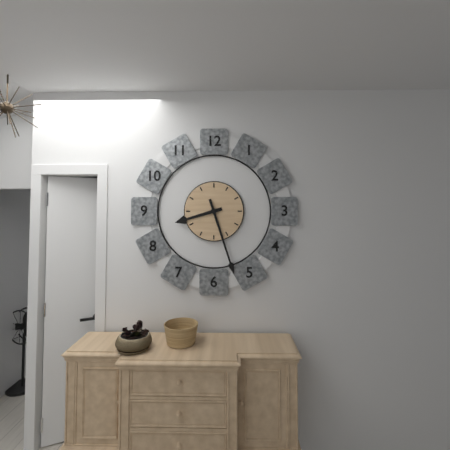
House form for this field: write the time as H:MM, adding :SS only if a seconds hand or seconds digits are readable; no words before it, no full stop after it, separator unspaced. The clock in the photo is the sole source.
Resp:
8:27
